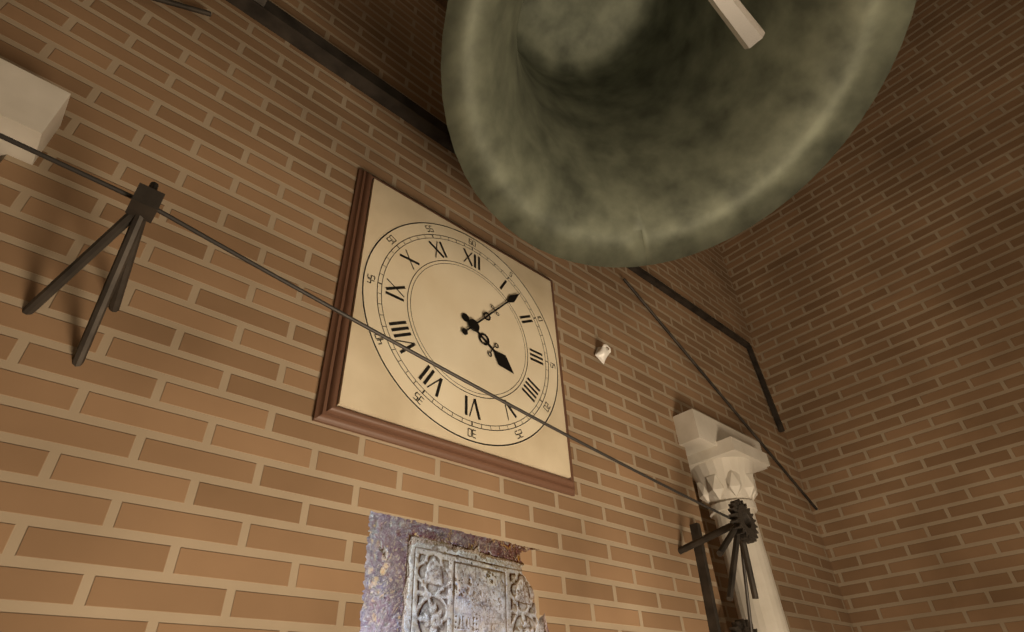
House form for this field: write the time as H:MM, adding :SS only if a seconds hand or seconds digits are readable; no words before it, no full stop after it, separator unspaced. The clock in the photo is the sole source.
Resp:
4:07
